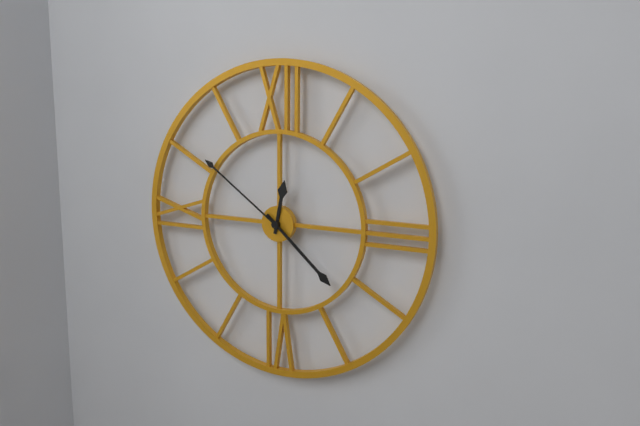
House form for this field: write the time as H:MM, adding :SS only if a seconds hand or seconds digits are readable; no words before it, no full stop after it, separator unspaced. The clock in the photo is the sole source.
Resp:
12:22:51
